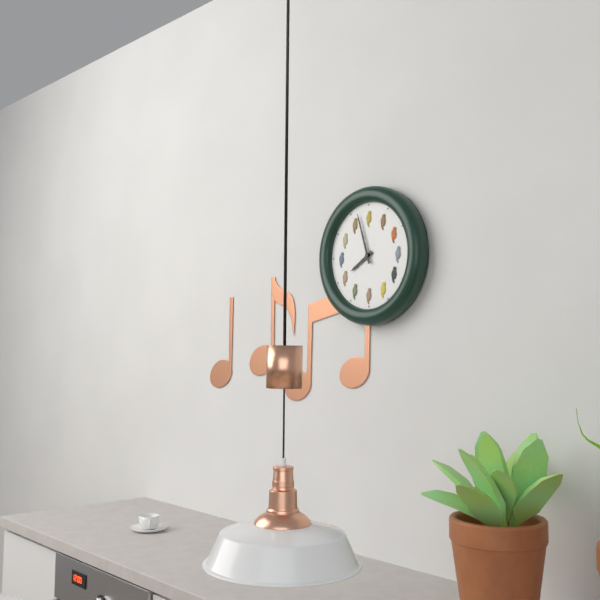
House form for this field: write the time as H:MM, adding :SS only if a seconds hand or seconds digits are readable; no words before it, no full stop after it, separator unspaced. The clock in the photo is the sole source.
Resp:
7:57
